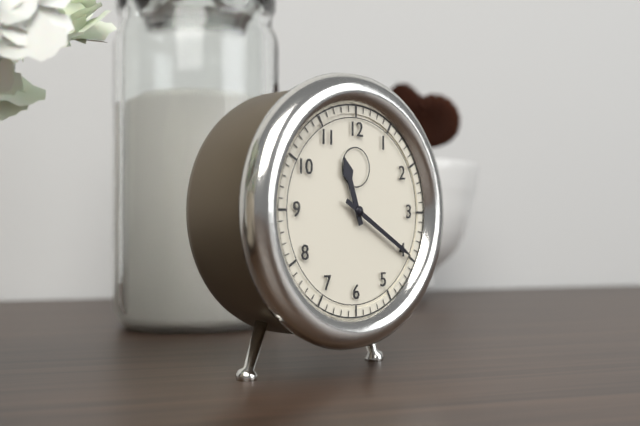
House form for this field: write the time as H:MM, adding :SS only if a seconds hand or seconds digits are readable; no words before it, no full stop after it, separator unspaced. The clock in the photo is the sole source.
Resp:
11:20
